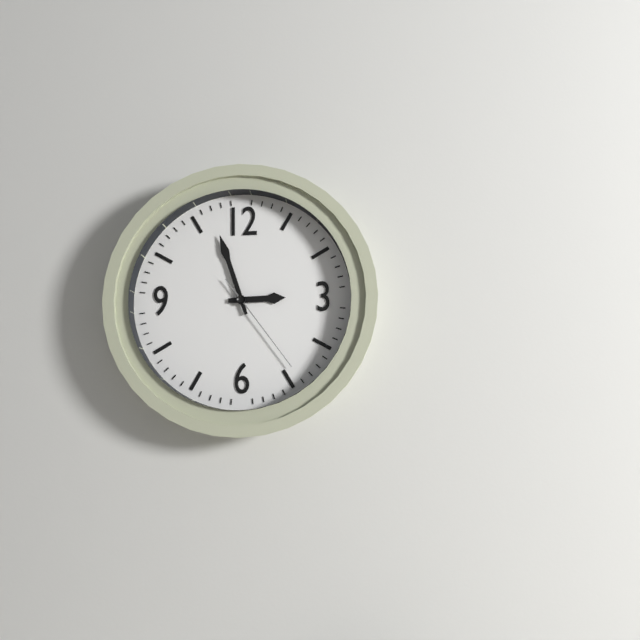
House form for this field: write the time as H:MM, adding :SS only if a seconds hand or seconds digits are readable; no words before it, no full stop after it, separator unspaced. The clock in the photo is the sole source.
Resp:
2:57:24
